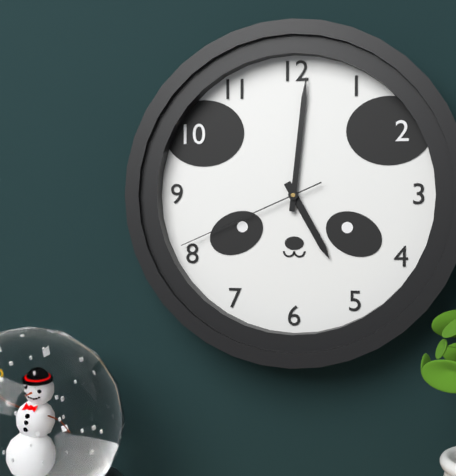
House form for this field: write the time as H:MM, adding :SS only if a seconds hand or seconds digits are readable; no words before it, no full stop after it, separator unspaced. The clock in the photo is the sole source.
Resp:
5:01:41
